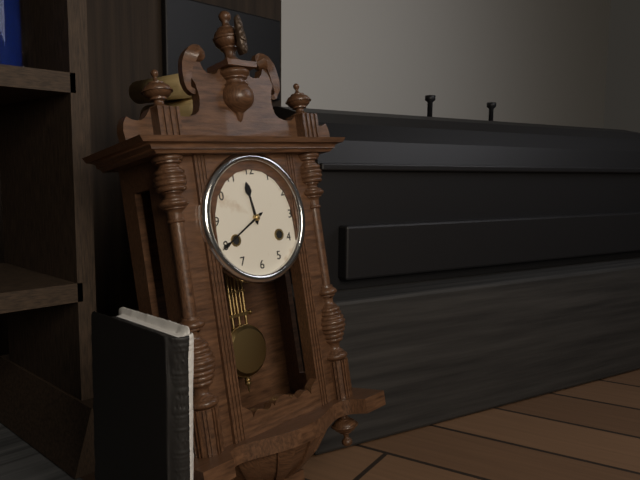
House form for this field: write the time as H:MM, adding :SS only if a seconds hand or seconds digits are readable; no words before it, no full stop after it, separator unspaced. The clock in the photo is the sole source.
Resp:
11:40
